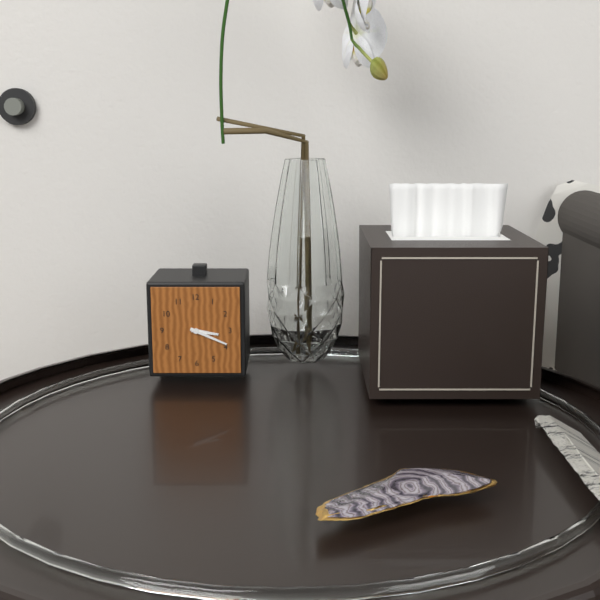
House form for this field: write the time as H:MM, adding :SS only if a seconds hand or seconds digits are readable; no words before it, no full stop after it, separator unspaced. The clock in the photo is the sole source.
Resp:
3:19
